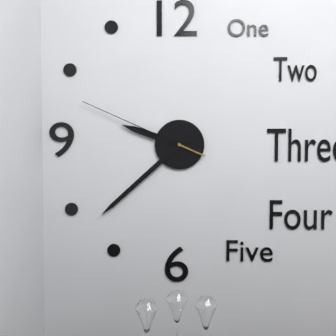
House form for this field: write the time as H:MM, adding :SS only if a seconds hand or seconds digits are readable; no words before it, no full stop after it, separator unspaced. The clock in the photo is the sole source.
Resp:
9:38:49
